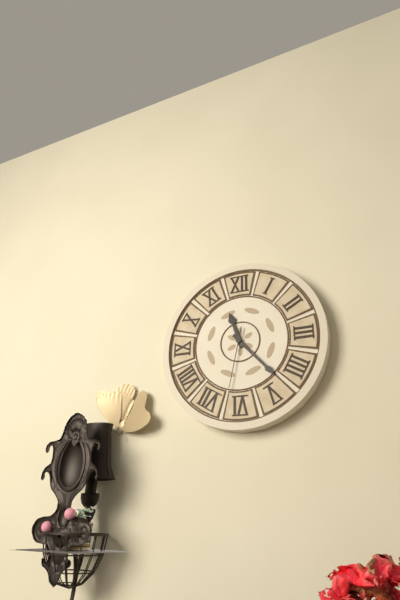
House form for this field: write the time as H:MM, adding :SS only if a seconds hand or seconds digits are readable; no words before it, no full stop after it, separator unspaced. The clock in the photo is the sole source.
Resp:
11:23:32
